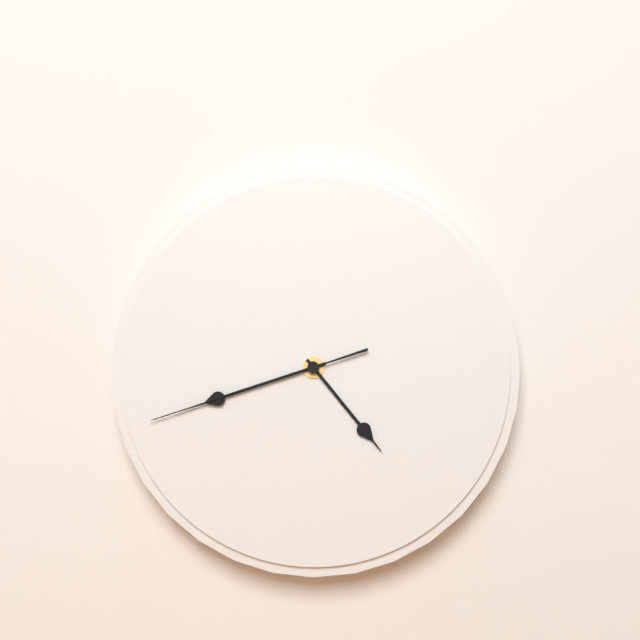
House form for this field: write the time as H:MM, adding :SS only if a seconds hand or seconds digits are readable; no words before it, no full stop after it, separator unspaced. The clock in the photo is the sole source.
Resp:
4:42:42
